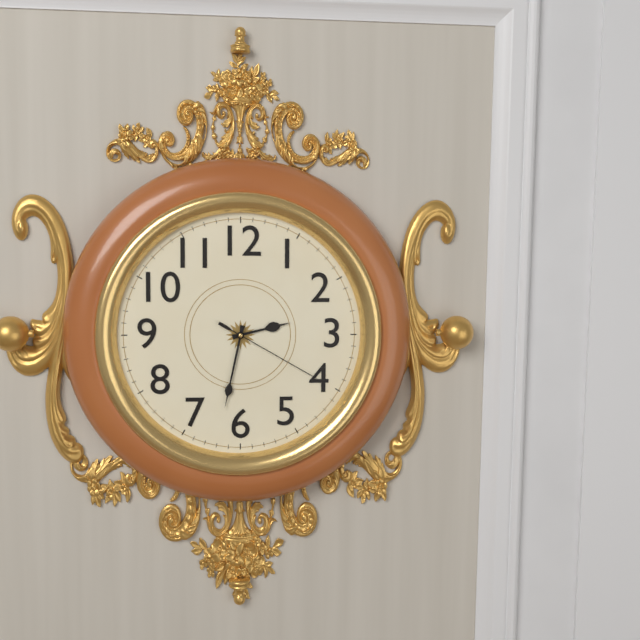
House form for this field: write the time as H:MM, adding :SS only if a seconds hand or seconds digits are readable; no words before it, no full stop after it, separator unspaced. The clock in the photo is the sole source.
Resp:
2:32:20
